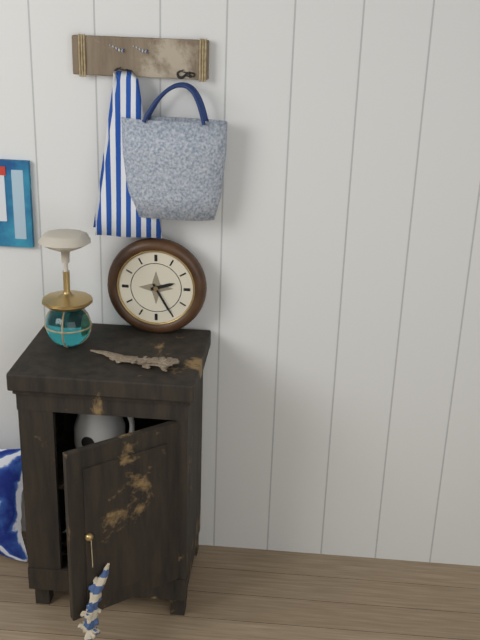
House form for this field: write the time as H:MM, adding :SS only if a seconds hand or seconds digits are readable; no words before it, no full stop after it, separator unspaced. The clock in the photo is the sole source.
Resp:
2:25
